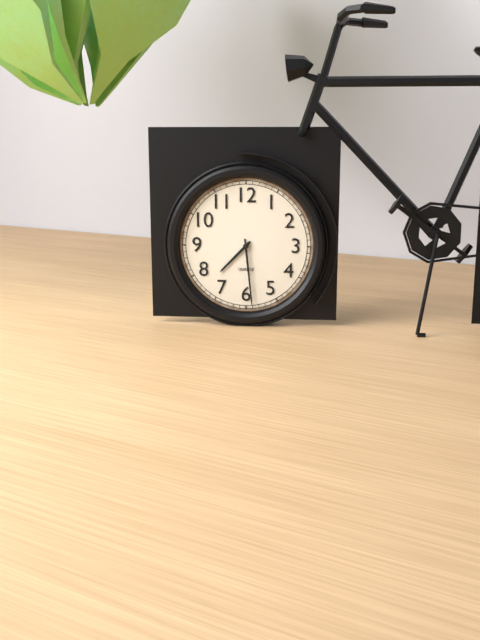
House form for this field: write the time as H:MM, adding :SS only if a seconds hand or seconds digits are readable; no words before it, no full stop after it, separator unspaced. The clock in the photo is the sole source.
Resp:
7:29
